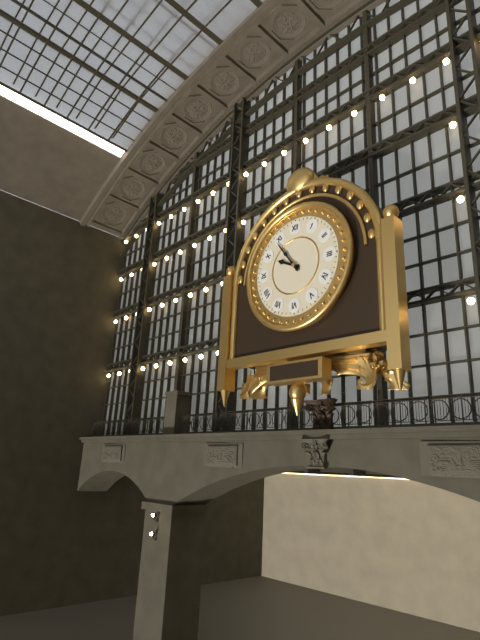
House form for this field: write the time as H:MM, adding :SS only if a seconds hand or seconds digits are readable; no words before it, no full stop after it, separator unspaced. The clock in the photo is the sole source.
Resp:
9:54
